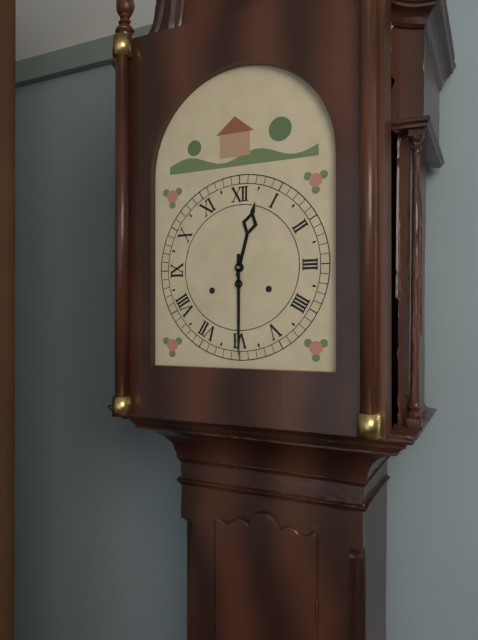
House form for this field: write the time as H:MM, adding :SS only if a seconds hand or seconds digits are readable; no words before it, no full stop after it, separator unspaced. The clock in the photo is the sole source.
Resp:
12:30
